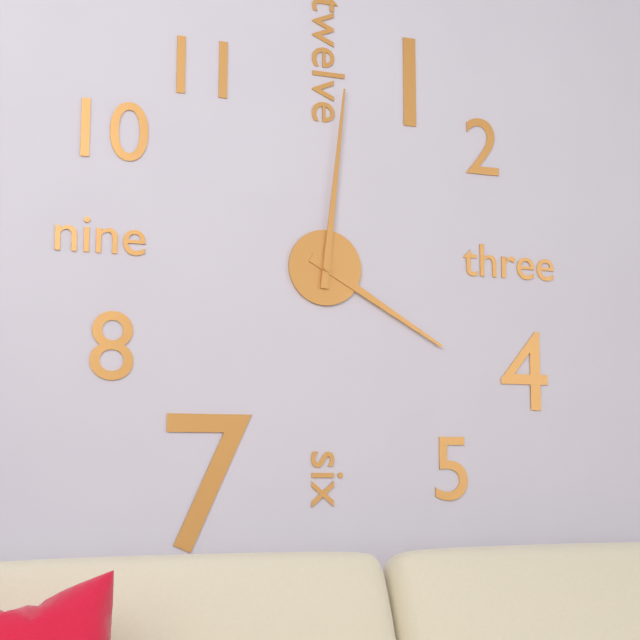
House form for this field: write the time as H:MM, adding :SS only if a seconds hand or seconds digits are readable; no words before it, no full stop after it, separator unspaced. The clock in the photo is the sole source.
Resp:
4:01
